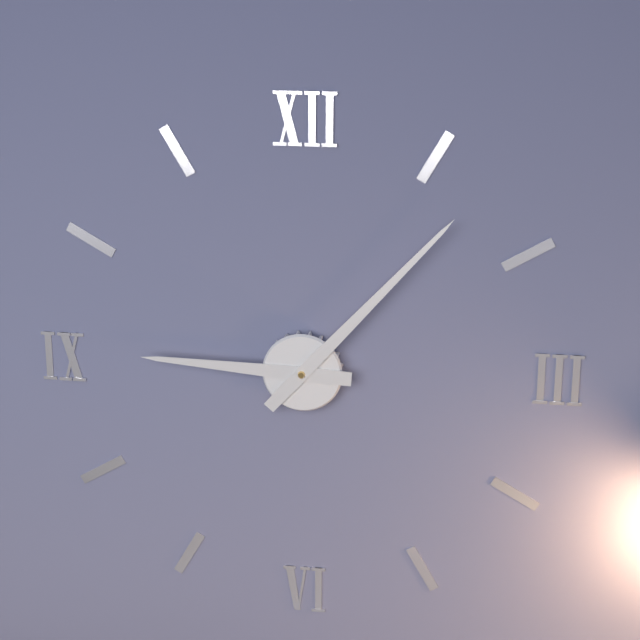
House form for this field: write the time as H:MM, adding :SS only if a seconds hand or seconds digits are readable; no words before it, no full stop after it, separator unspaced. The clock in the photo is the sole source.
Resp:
9:07
